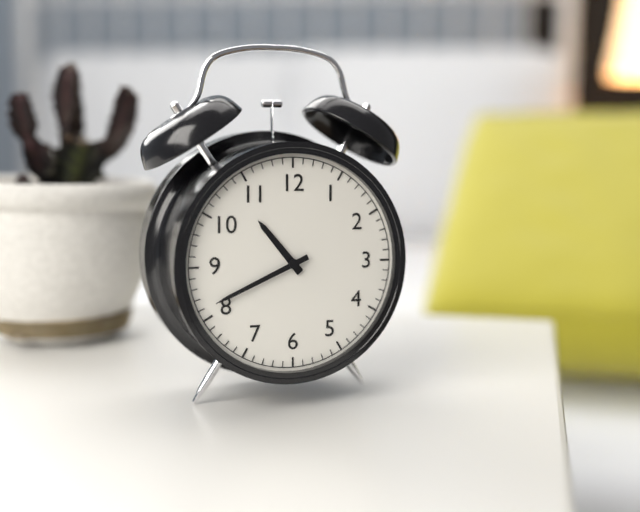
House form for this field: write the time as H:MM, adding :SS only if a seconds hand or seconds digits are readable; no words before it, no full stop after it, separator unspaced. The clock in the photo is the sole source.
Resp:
10:41
